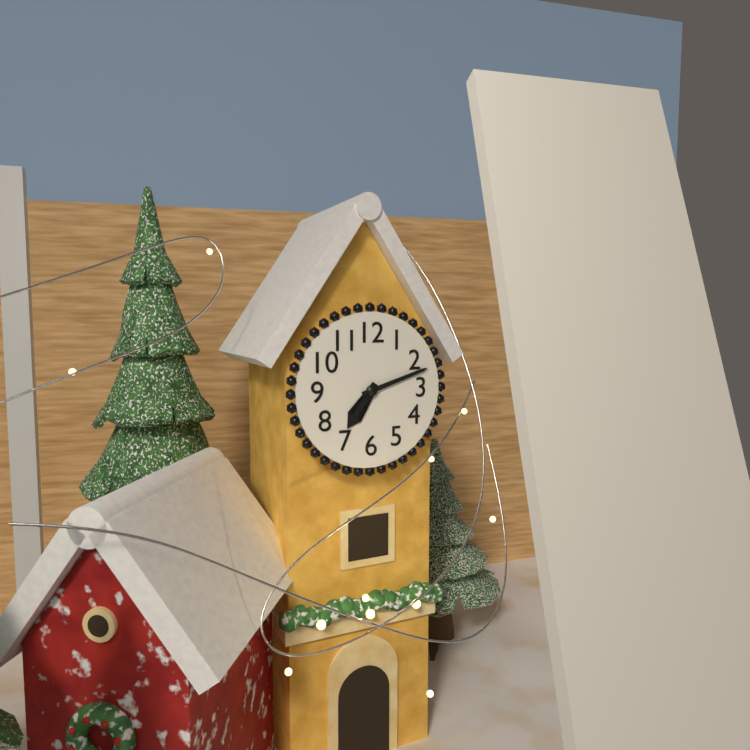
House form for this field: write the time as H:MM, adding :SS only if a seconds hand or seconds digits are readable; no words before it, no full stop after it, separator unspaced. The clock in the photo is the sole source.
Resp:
7:12
